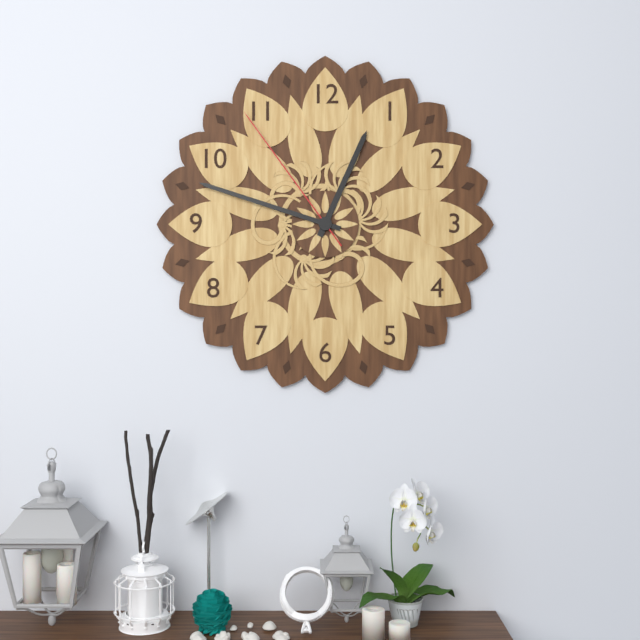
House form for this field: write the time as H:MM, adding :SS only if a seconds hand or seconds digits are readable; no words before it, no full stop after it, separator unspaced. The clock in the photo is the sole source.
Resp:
12:48:54
